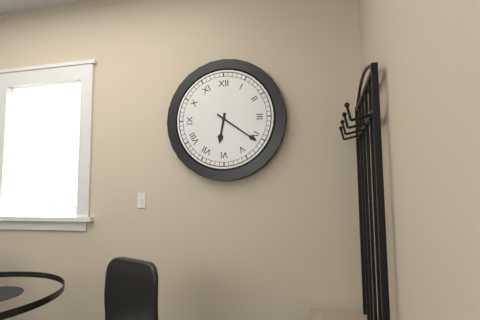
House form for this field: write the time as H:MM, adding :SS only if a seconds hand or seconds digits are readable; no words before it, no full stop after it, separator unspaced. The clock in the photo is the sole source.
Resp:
6:21
